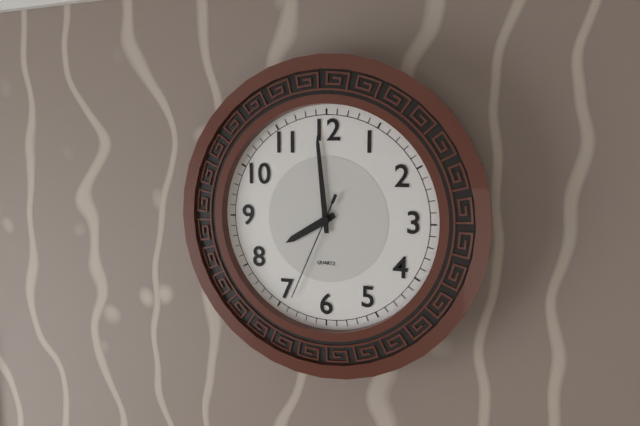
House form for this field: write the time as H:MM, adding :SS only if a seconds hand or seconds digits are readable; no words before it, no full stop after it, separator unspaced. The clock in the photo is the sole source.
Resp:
7:59:34
